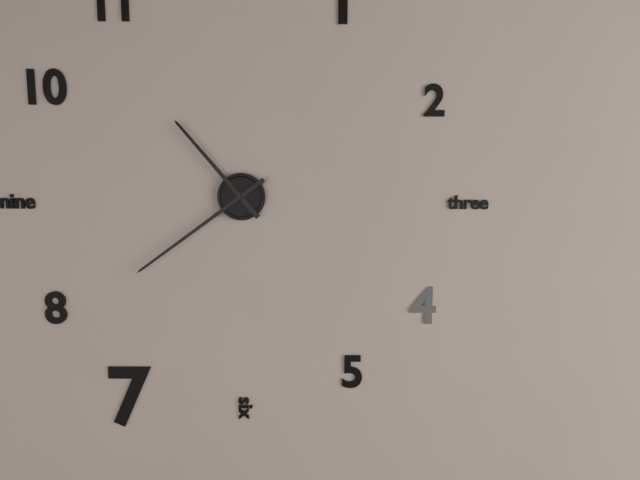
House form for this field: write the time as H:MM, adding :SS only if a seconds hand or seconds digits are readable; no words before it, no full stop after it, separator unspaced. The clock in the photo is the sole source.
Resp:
10:39
